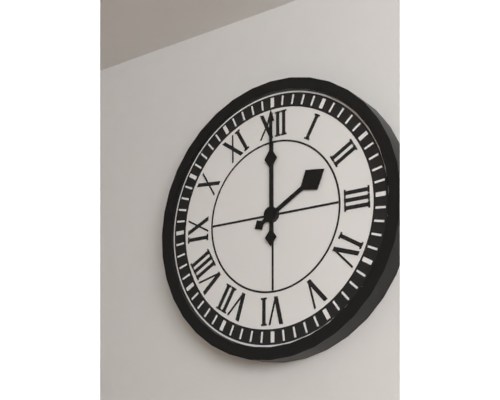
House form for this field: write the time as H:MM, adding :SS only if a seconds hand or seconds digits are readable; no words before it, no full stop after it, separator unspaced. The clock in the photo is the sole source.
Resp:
2:00
